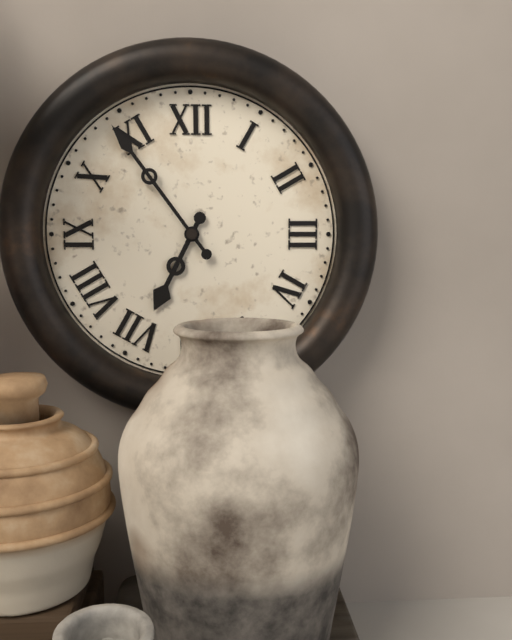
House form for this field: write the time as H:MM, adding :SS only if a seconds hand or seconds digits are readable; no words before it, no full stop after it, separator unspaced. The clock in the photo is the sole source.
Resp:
6:54
